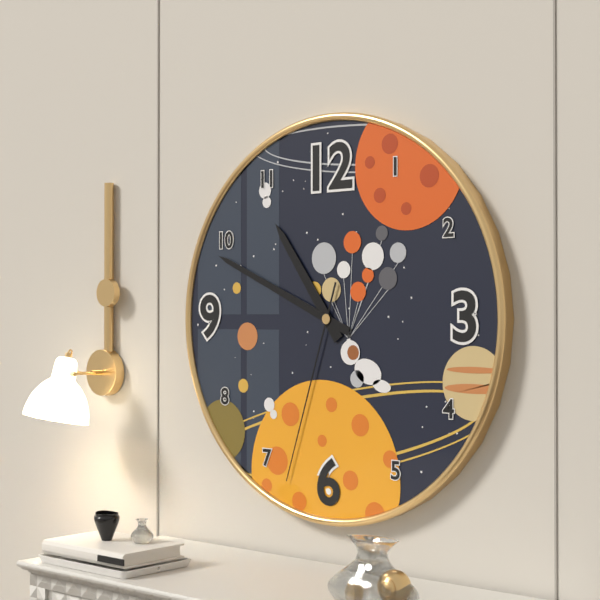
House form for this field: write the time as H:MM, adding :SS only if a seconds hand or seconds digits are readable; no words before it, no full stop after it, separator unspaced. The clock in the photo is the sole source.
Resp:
10:49:33
